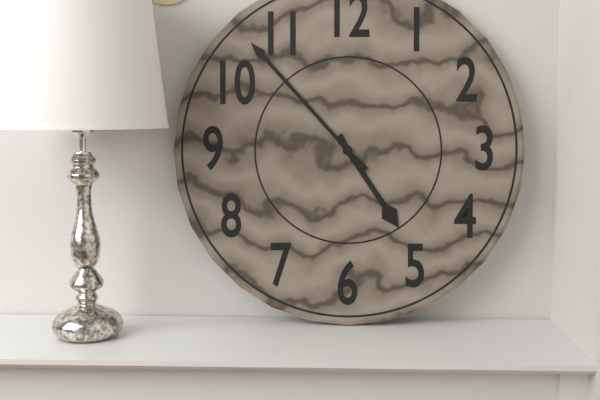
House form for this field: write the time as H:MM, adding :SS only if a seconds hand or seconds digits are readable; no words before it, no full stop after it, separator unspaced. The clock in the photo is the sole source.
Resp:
4:53
